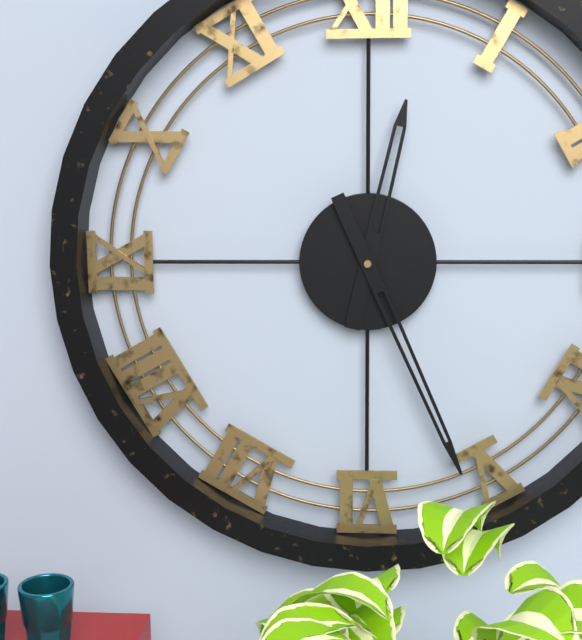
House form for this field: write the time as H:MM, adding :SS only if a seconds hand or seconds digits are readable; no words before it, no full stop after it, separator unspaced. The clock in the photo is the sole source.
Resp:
12:26
